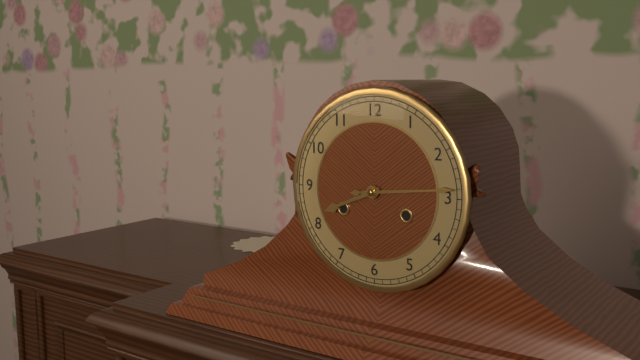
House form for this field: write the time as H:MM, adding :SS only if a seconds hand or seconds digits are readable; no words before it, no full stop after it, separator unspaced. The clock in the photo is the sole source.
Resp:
8:14
